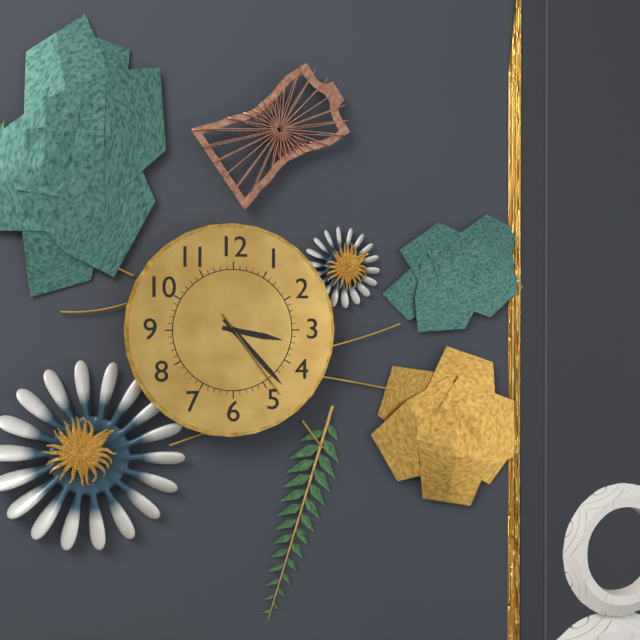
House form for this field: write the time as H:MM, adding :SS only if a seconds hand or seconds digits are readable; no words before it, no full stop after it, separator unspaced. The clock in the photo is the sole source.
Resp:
3:23:24
